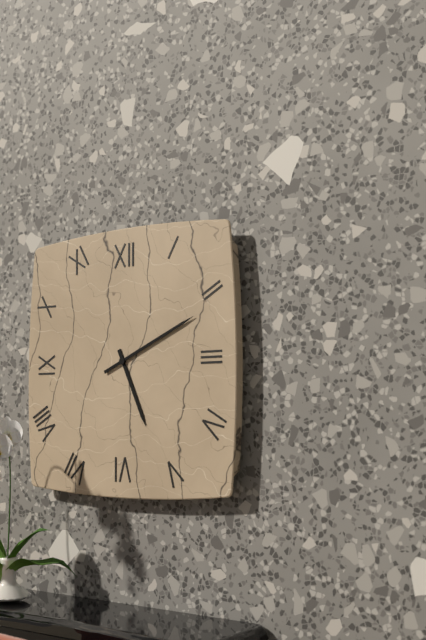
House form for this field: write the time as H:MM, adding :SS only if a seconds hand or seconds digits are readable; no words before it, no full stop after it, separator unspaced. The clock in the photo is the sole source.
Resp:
5:11
